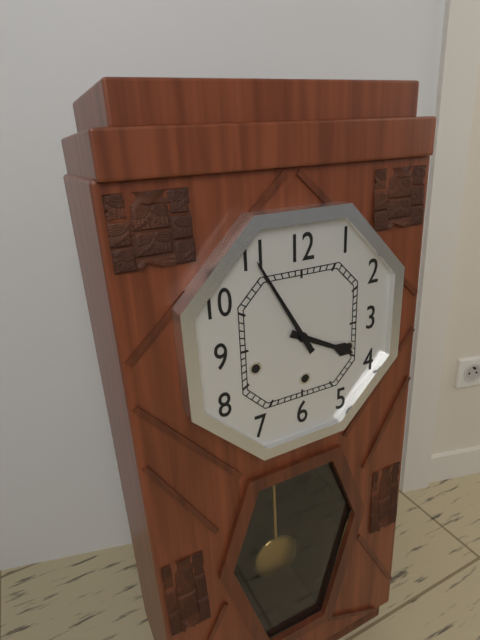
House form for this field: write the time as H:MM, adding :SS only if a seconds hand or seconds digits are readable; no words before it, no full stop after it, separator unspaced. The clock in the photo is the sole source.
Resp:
3:55
